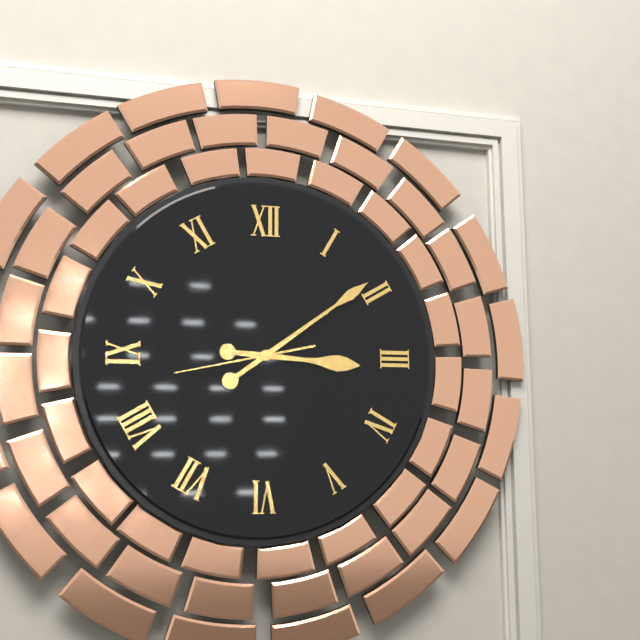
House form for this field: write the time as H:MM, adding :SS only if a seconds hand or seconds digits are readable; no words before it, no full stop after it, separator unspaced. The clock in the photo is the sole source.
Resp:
3:09:43
